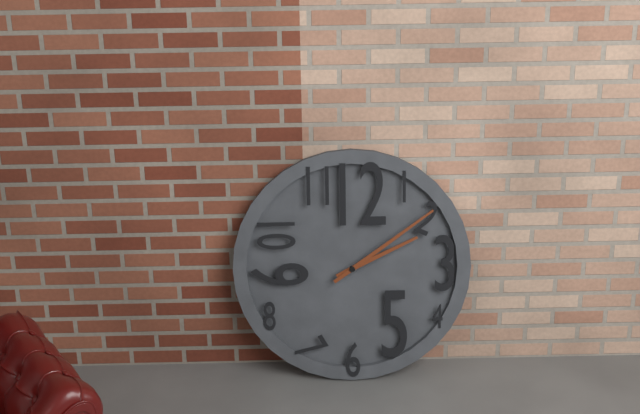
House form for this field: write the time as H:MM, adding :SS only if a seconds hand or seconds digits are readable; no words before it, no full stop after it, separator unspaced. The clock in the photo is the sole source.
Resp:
2:09
